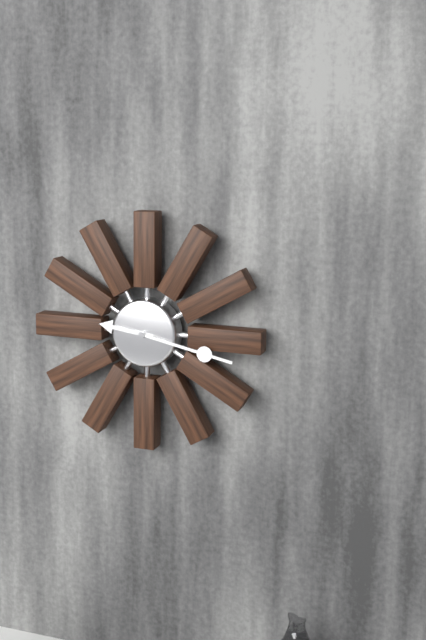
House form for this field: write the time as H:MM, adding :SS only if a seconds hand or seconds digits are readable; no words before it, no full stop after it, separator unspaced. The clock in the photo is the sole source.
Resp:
9:17
